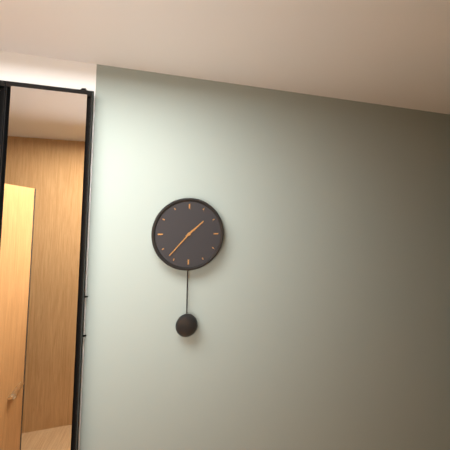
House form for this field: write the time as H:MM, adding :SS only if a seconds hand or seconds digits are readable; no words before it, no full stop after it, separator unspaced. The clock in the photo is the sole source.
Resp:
1:37
